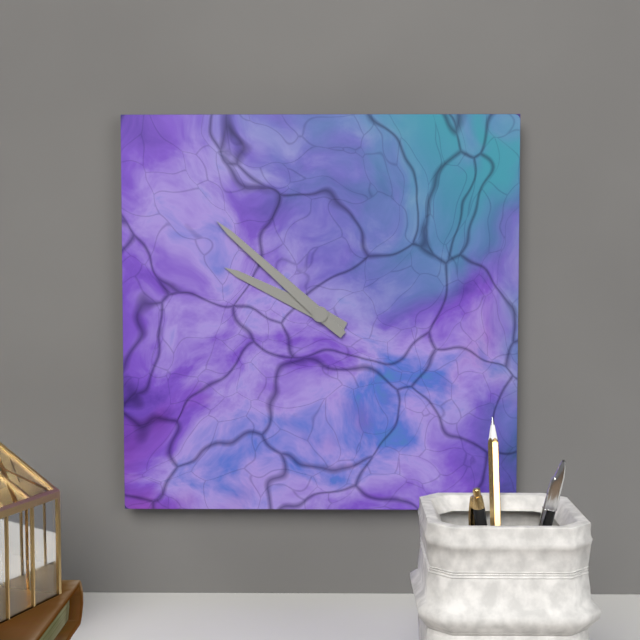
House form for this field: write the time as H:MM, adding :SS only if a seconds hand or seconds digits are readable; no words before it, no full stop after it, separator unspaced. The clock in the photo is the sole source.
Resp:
9:52
